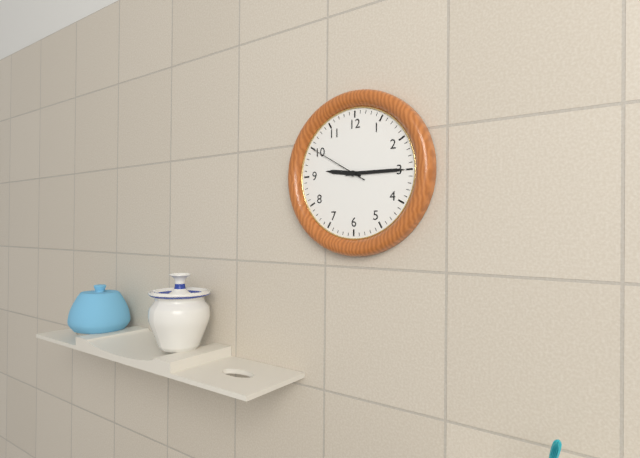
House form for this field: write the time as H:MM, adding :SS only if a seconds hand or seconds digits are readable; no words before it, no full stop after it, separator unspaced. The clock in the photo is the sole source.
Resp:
9:15:50
